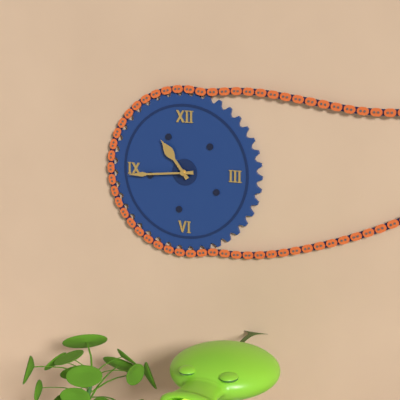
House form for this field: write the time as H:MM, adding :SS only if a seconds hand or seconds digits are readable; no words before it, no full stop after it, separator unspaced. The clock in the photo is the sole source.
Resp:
10:44
